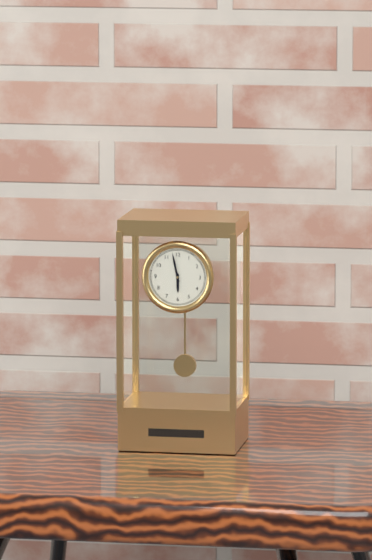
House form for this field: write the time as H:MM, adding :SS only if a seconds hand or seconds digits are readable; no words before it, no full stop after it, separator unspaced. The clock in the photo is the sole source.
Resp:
5:58
